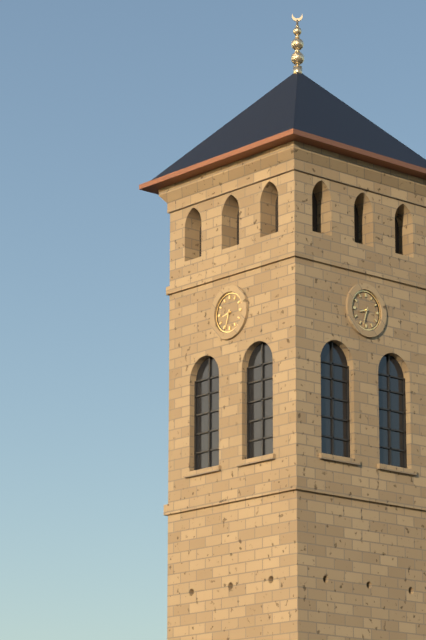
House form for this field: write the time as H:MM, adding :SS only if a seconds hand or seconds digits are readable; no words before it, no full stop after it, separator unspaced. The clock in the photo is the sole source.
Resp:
8:33
